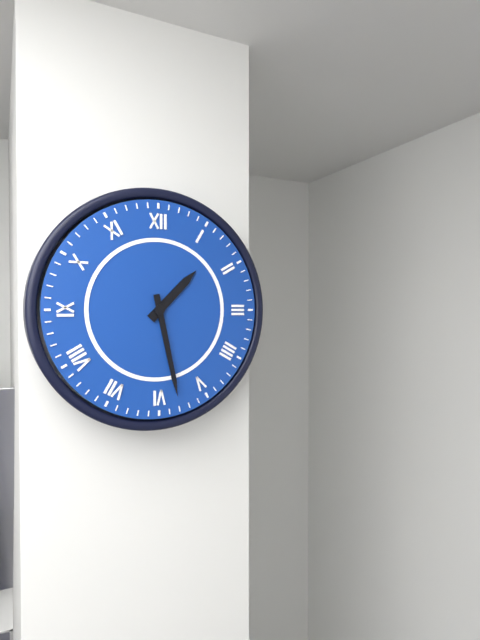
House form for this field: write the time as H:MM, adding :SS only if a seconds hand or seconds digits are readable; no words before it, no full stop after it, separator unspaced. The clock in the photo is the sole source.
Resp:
1:28
